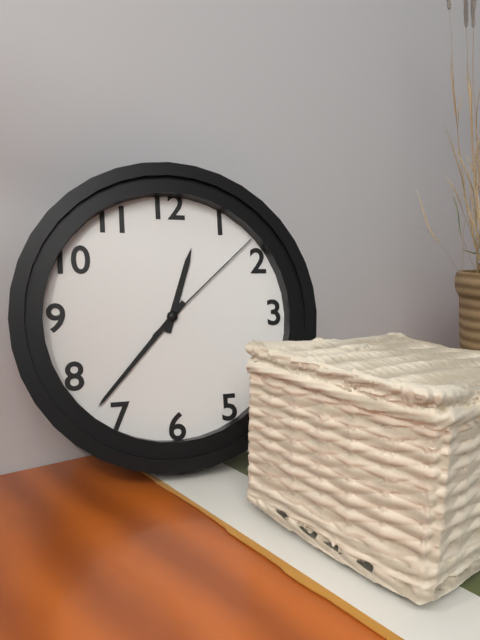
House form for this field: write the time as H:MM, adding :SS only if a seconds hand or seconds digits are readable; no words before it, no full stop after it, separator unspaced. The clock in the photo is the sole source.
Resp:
12:37:08
